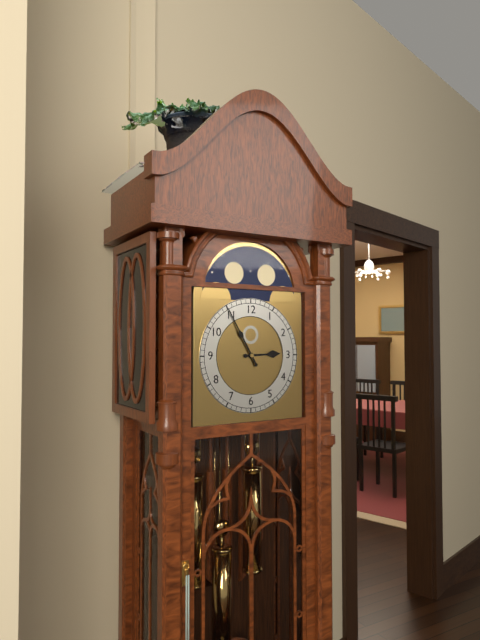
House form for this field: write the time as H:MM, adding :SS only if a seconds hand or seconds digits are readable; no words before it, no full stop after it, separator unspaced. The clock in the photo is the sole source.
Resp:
2:55
